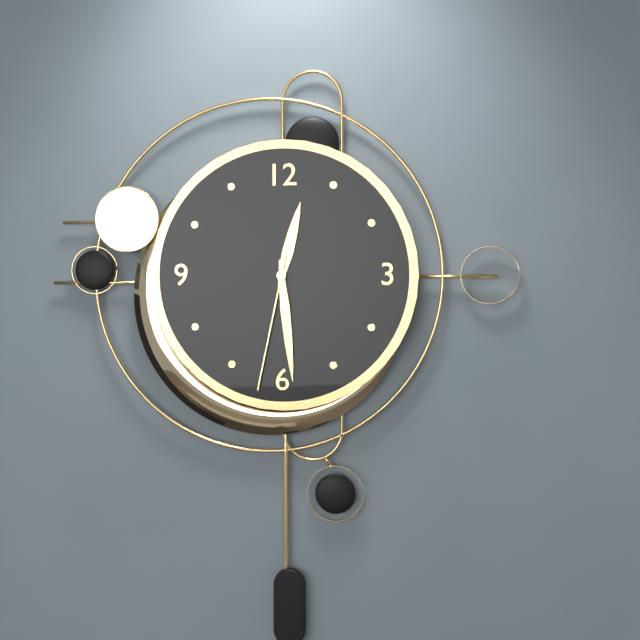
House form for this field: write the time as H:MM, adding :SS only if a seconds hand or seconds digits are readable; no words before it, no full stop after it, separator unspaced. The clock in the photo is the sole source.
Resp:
12:29:32
